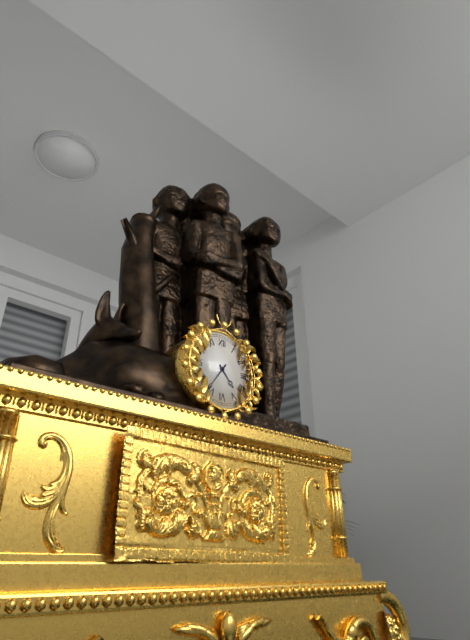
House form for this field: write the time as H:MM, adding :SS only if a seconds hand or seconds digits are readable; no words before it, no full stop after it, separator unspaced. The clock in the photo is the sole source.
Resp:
4:36
